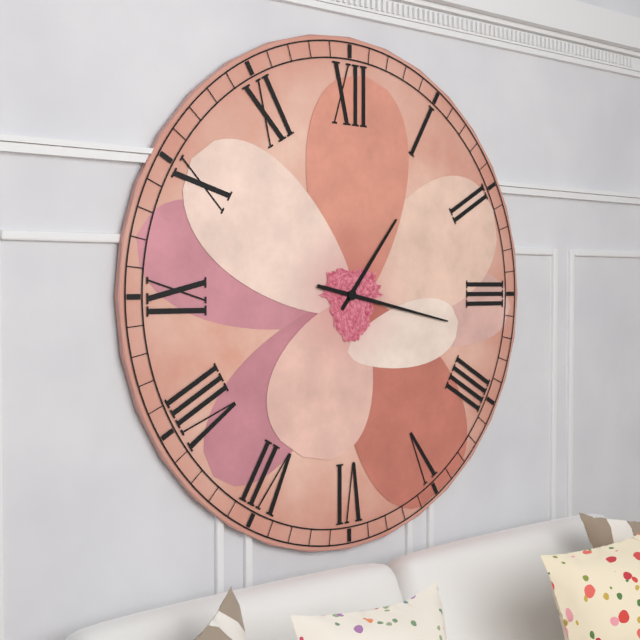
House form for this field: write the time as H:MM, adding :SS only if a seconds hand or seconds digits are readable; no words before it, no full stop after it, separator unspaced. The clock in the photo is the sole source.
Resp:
1:17
